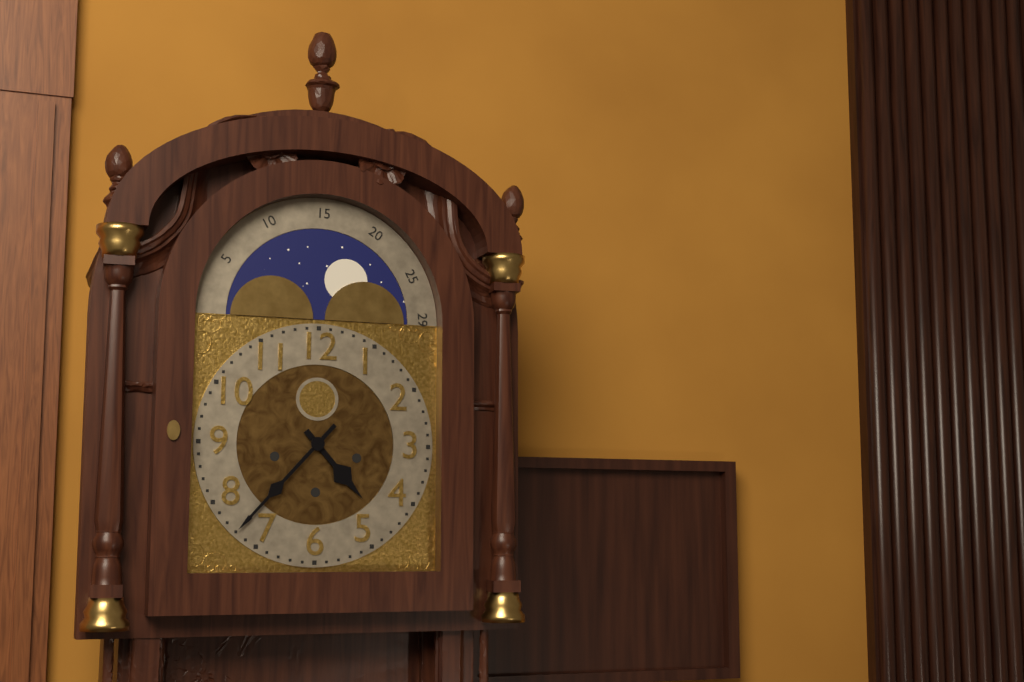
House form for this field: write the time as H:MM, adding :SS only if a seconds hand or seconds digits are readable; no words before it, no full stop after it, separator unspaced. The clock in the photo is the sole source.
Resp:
4:37
